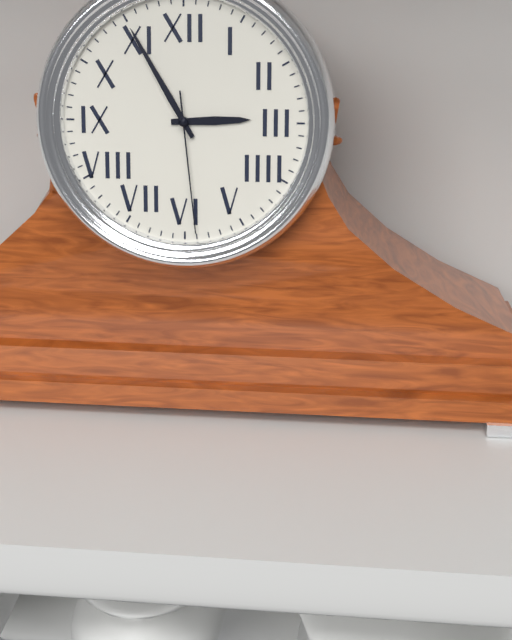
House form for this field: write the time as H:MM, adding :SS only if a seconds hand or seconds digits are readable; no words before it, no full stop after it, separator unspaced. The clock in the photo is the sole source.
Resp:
2:55:29
